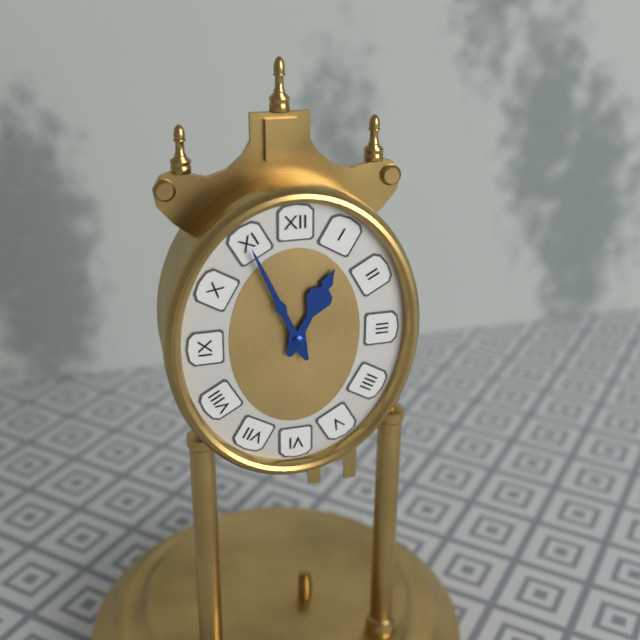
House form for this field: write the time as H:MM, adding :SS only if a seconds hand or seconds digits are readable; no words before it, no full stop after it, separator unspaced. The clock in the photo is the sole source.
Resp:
12:56
